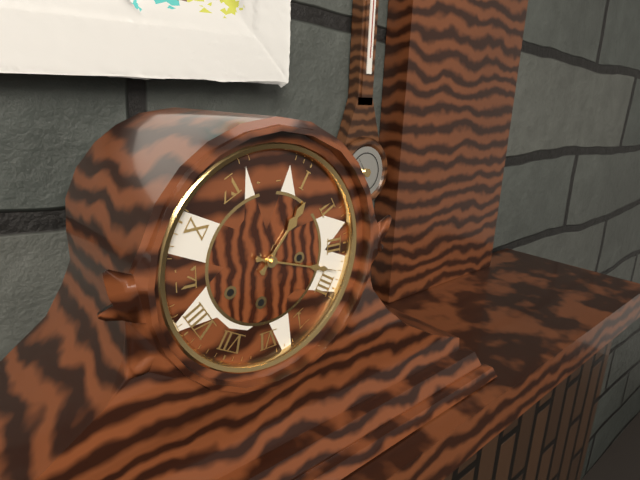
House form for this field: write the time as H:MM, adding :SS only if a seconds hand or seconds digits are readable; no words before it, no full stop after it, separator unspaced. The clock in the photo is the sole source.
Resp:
1:18
